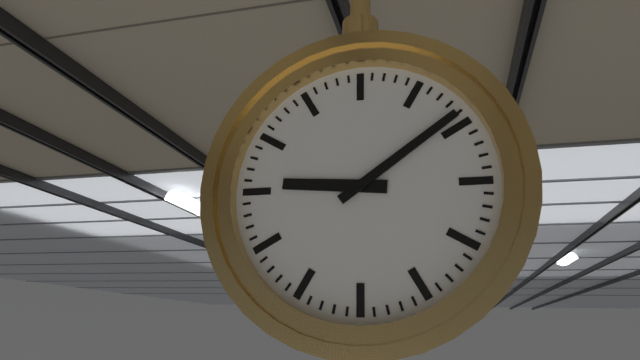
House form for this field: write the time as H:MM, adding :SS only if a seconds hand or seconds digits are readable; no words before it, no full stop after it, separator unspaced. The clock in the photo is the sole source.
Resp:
9:09
